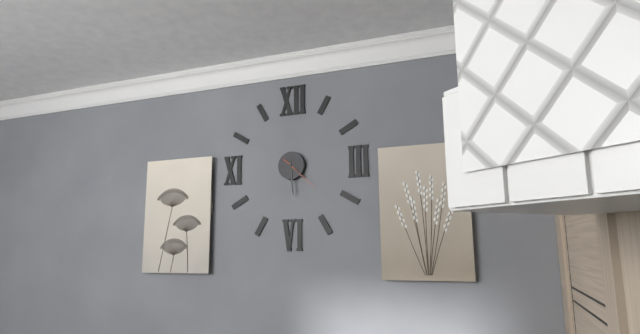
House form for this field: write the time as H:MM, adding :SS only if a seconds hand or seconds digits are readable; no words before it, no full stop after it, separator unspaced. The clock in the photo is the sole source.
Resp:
4:29
